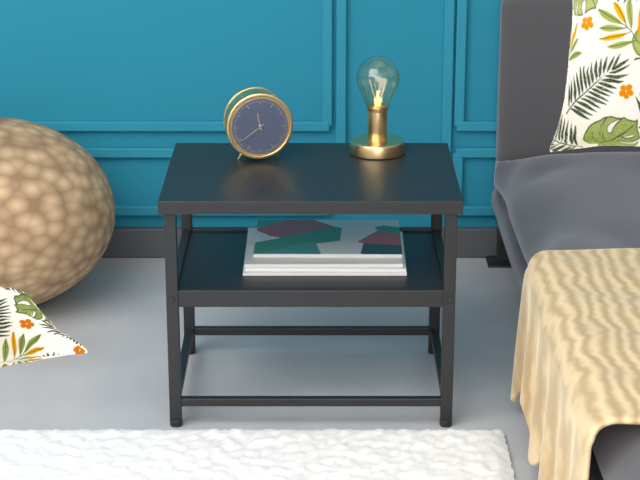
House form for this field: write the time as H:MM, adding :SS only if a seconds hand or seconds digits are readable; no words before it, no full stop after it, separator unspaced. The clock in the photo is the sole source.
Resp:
11:39
